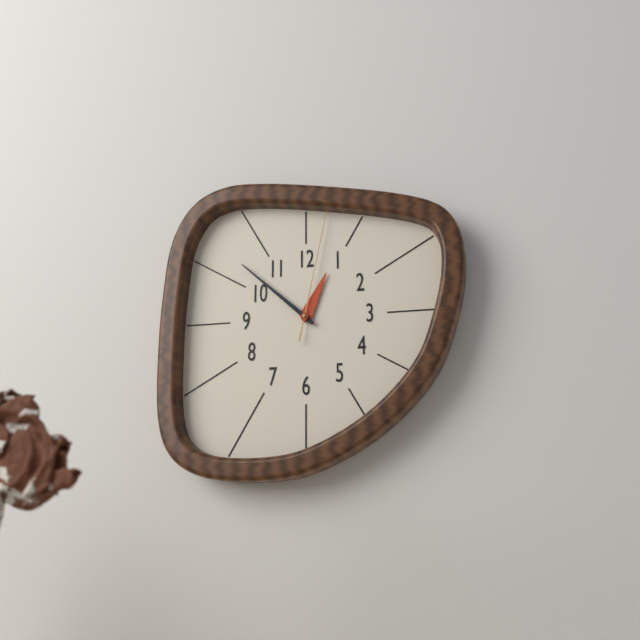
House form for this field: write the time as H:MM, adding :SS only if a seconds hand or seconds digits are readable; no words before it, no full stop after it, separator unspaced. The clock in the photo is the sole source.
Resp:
12:52:02
